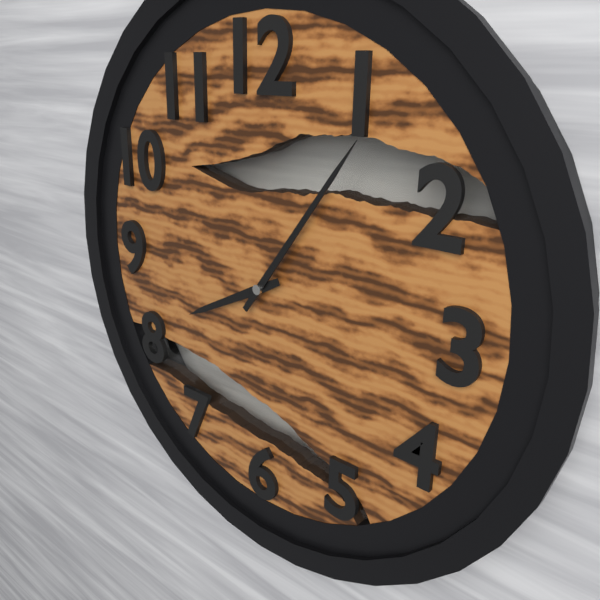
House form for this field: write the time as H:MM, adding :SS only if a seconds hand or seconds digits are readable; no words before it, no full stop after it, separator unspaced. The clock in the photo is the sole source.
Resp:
8:06
